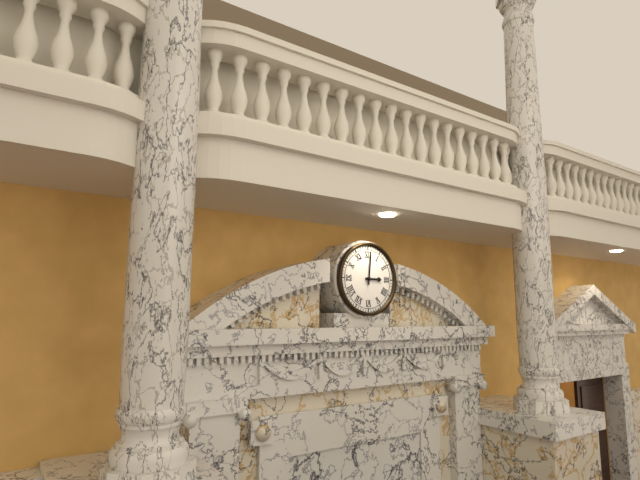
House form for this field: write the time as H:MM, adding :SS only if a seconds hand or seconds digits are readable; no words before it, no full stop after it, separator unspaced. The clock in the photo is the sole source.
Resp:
3:01
